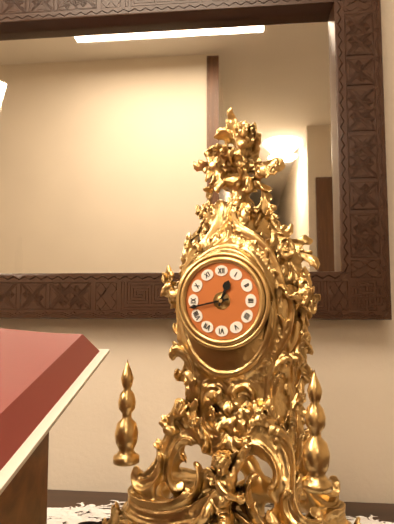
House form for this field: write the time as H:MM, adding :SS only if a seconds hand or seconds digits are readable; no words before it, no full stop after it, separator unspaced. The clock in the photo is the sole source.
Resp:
12:43
